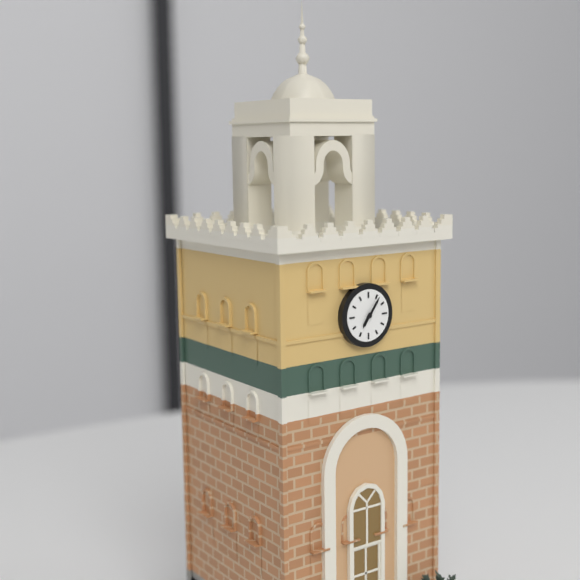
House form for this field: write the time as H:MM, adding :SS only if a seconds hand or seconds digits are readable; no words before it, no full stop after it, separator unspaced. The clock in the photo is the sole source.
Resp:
7:06
